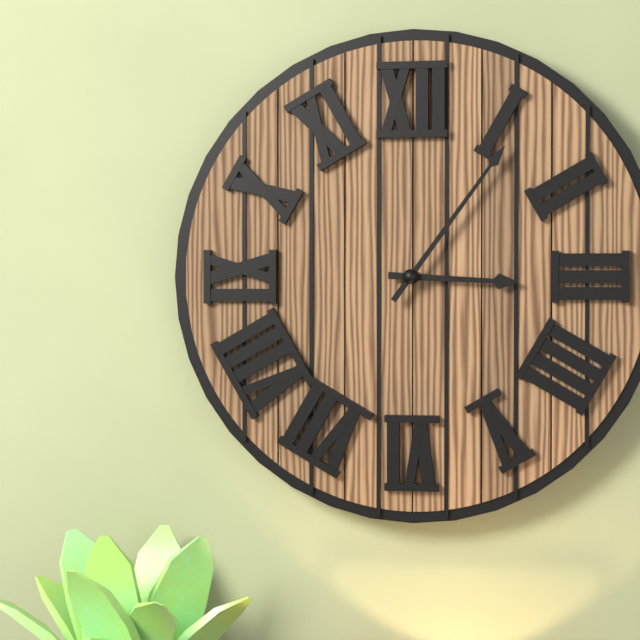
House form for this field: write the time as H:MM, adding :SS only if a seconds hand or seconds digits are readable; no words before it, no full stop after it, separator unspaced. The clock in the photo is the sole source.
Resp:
3:06
